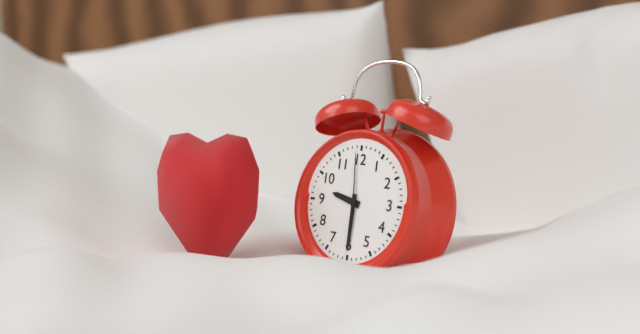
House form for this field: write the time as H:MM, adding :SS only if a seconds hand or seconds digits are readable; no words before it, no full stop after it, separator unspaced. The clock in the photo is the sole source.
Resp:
9:30:59
